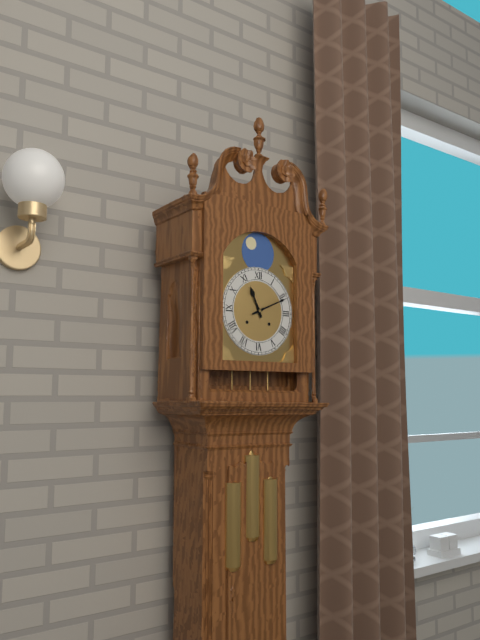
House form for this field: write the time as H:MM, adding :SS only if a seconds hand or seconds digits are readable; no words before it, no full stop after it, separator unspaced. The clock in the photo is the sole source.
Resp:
11:11
